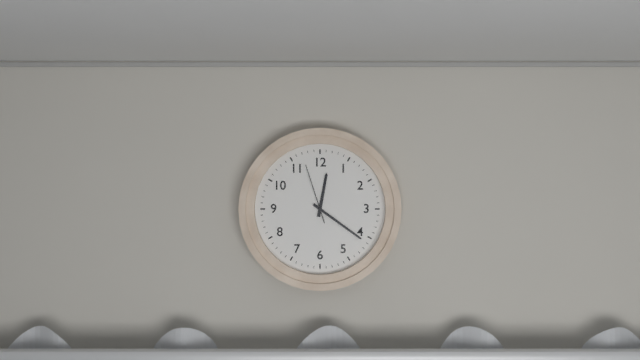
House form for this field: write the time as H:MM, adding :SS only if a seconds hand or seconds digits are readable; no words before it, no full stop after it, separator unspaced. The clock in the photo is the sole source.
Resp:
12:21:57
